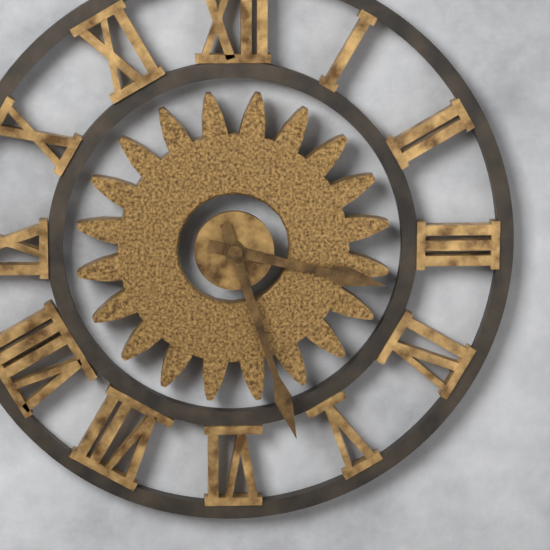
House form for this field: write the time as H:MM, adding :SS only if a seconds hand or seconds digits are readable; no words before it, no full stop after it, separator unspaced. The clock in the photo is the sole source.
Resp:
3:27
